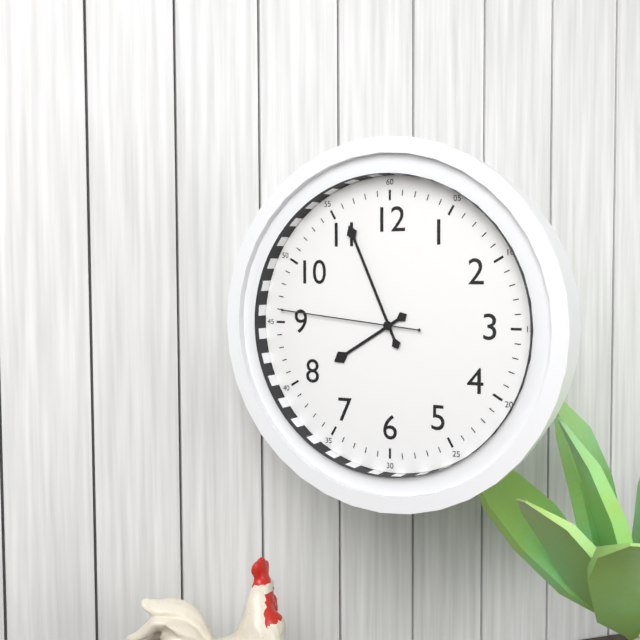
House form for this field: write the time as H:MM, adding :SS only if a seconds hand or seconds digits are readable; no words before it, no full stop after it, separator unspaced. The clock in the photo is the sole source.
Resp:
7:56:46
